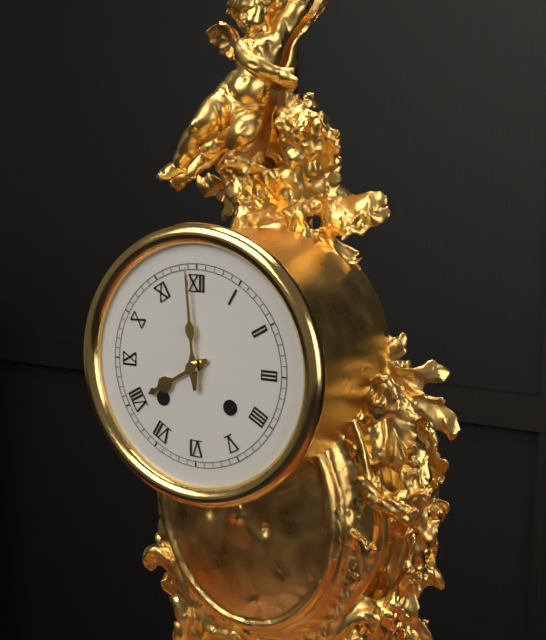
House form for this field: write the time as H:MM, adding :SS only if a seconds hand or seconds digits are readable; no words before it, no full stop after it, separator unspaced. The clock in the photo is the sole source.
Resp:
7:59
